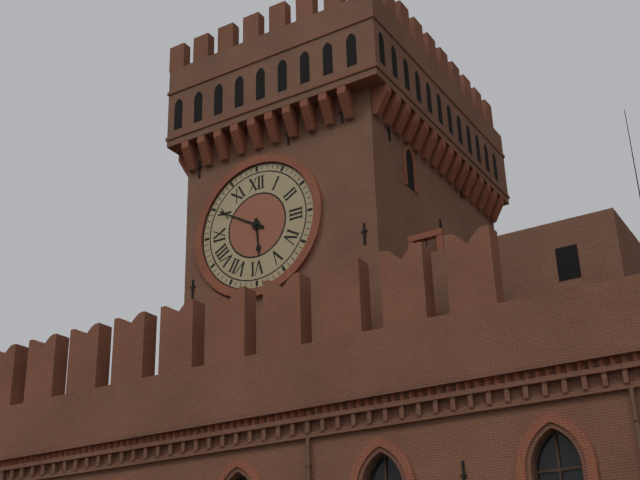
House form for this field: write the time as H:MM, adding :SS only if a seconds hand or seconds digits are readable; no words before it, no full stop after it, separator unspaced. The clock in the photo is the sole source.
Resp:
5:50
